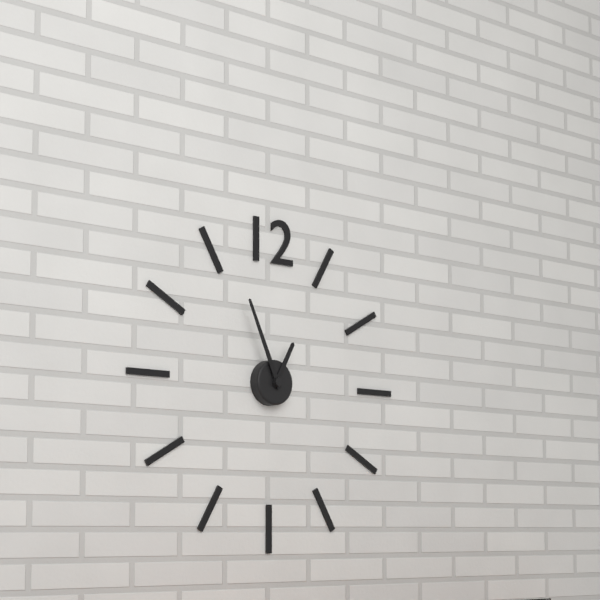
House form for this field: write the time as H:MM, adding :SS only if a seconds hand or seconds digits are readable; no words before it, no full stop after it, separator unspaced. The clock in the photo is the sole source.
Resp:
12:56
